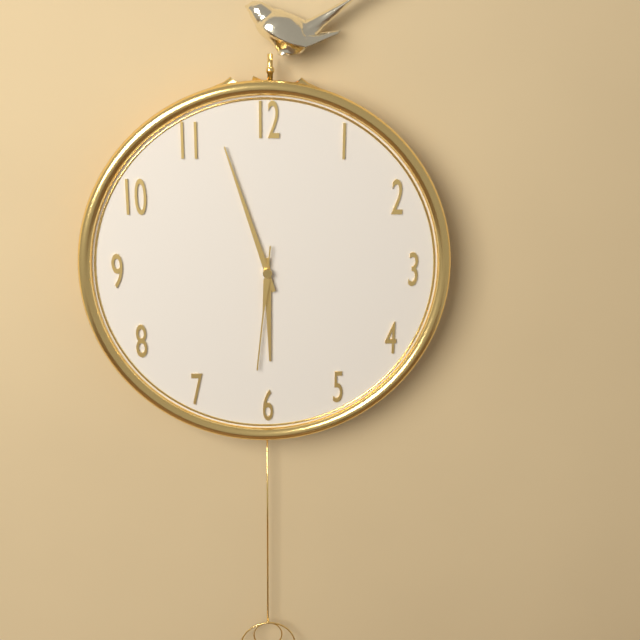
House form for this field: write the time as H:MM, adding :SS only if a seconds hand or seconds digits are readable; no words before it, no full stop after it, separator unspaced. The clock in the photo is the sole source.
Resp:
5:57:31
